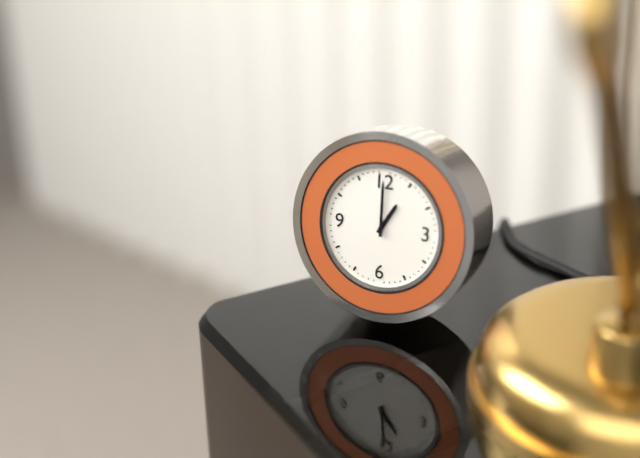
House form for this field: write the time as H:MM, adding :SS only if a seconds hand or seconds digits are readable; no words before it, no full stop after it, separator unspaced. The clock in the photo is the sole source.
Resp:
1:00
